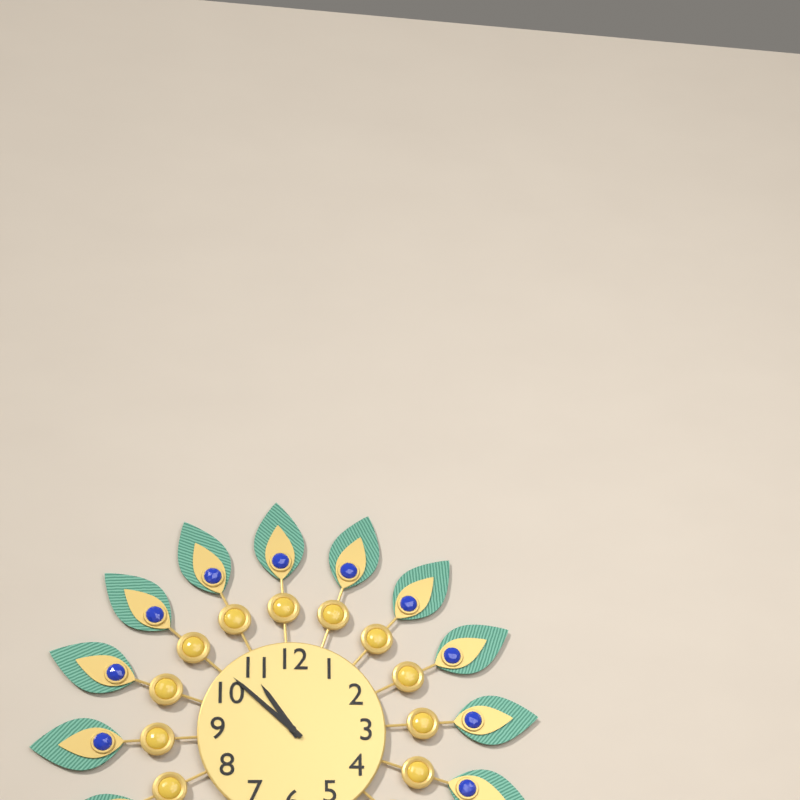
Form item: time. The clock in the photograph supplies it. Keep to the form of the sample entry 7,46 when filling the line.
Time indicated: 10,52
